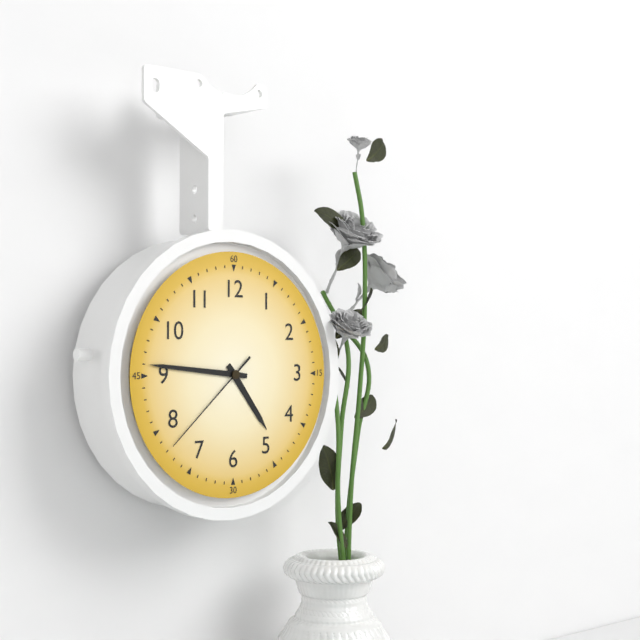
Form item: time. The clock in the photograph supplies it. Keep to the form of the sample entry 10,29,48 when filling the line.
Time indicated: 4,46,38
